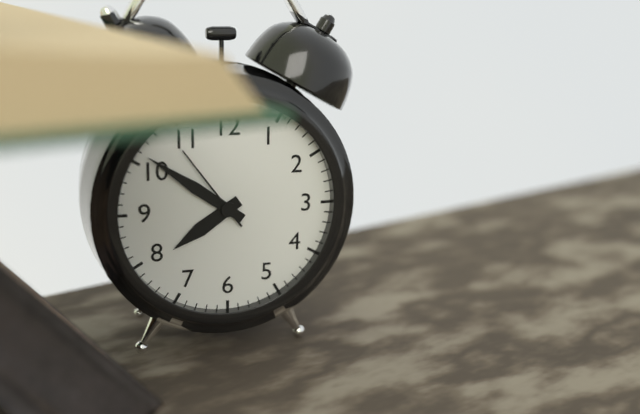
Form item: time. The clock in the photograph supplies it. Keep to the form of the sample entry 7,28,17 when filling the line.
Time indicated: 7,51,54
